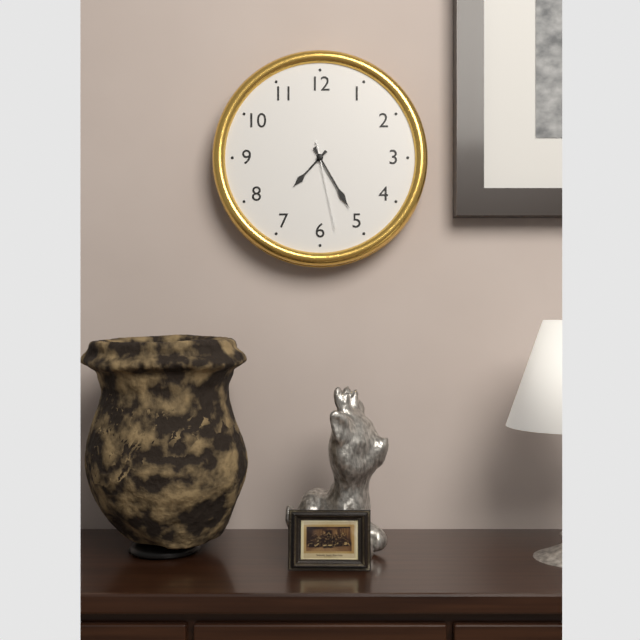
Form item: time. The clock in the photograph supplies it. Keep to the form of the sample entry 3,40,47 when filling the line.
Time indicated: 7,25,28
